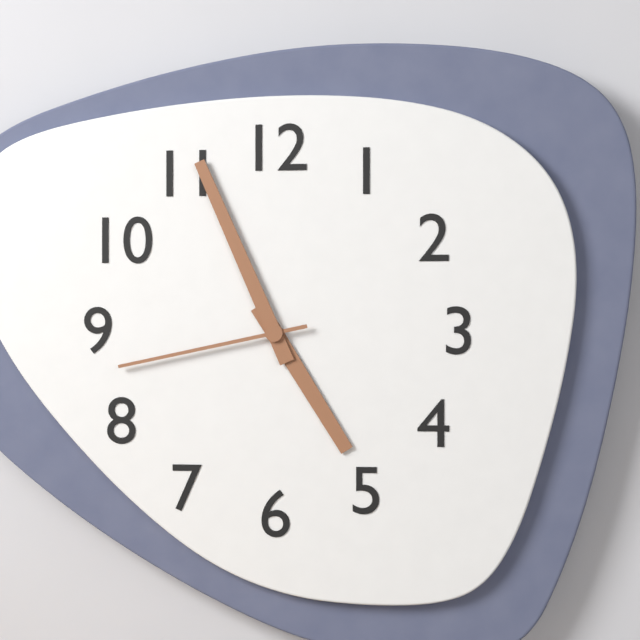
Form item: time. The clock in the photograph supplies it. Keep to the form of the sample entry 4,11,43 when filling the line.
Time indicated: 4,56,43
